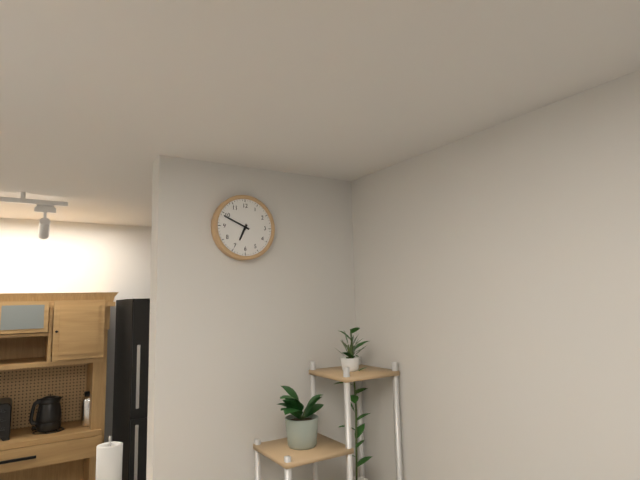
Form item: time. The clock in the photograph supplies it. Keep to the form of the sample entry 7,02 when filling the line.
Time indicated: 6,49
